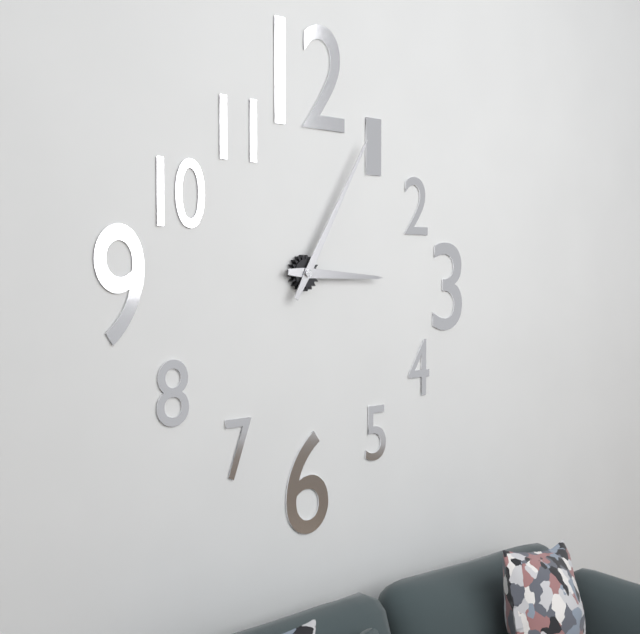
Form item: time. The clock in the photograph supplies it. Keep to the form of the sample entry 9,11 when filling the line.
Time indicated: 3,05
